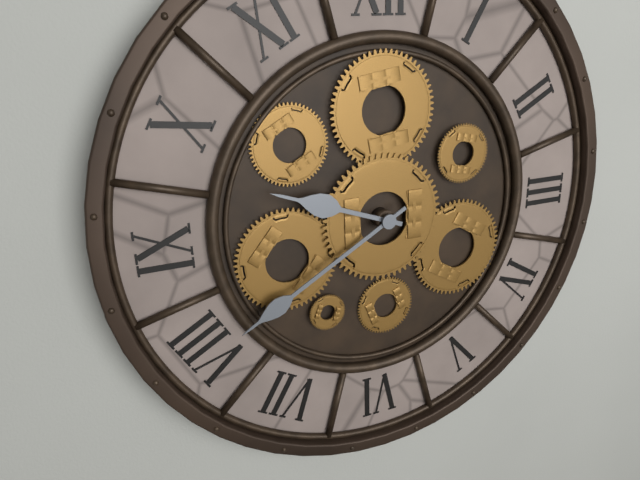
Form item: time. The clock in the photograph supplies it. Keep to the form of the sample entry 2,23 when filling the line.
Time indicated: 9,40
